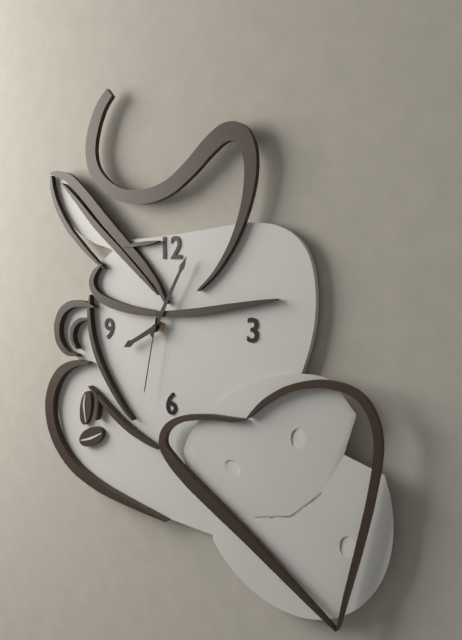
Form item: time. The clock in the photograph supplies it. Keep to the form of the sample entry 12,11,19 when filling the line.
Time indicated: 8,05,32
